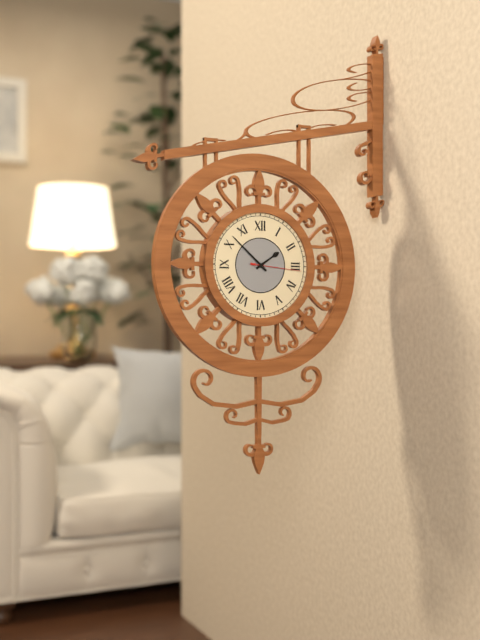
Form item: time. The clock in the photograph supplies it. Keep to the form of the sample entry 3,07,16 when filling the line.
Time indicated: 1,52,16
